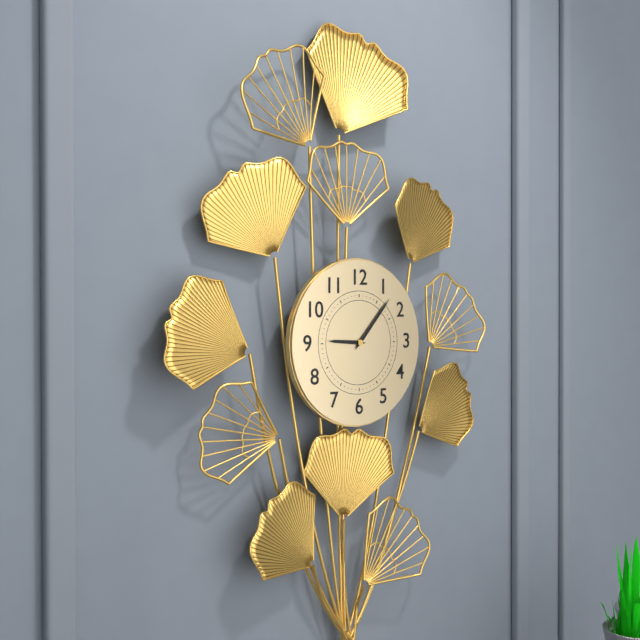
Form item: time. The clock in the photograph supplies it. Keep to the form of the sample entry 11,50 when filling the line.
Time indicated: 9,07
